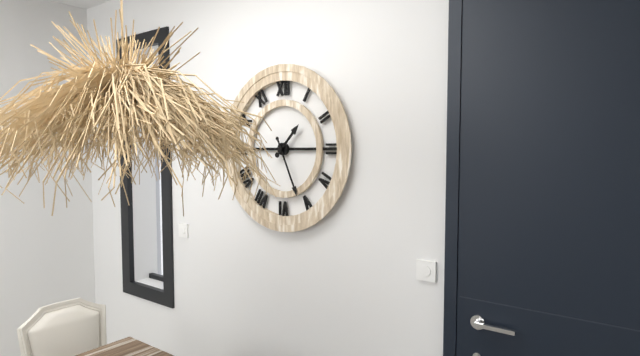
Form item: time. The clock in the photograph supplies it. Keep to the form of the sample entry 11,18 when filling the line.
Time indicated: 1,26
